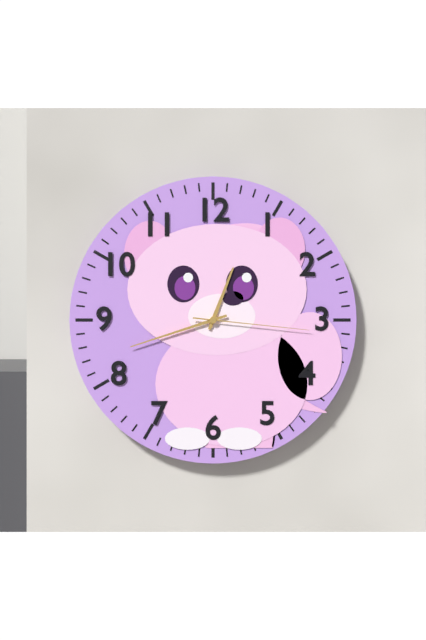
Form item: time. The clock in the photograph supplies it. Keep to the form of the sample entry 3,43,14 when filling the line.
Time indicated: 12,42,16
